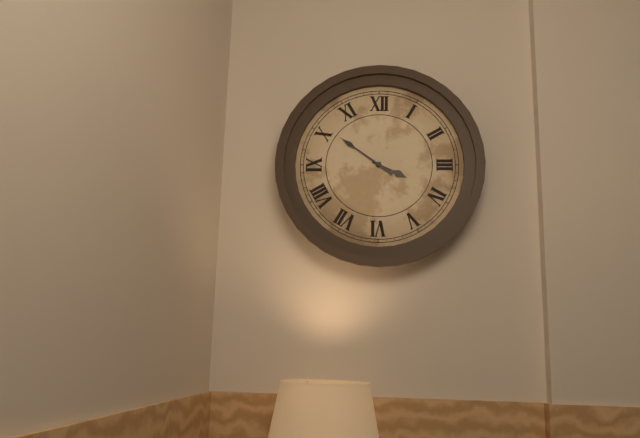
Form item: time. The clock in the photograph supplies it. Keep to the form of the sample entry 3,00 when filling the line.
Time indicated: 3,51
